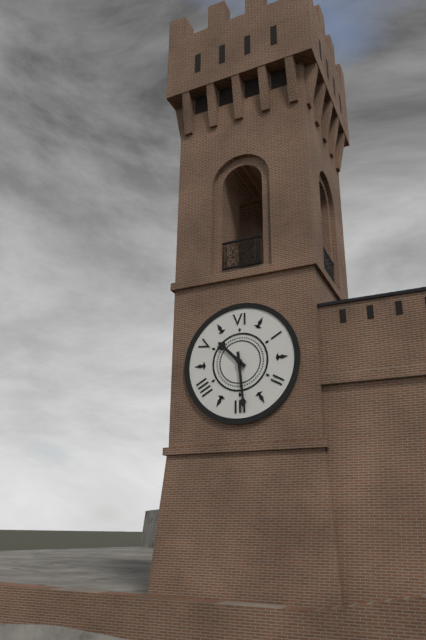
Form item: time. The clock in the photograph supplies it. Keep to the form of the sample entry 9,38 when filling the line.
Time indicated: 10,29
